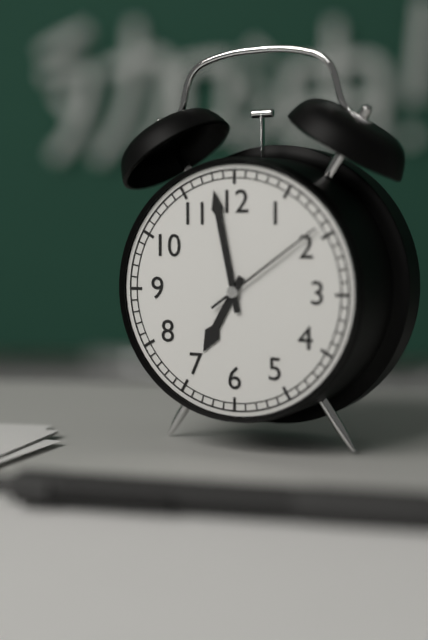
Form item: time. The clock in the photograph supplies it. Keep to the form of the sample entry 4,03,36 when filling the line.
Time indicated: 6,58,09
